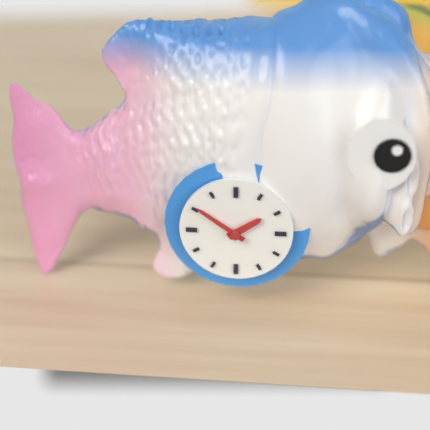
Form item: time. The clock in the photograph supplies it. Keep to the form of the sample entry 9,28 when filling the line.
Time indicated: 1,51
